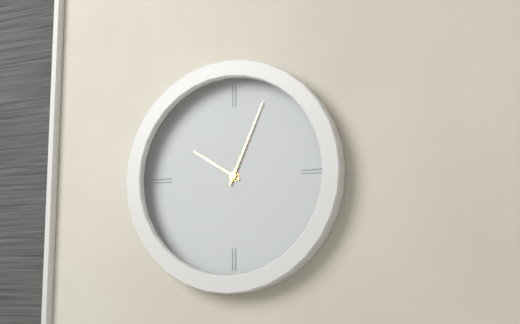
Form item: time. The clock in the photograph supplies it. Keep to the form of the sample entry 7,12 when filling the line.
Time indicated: 10,04
